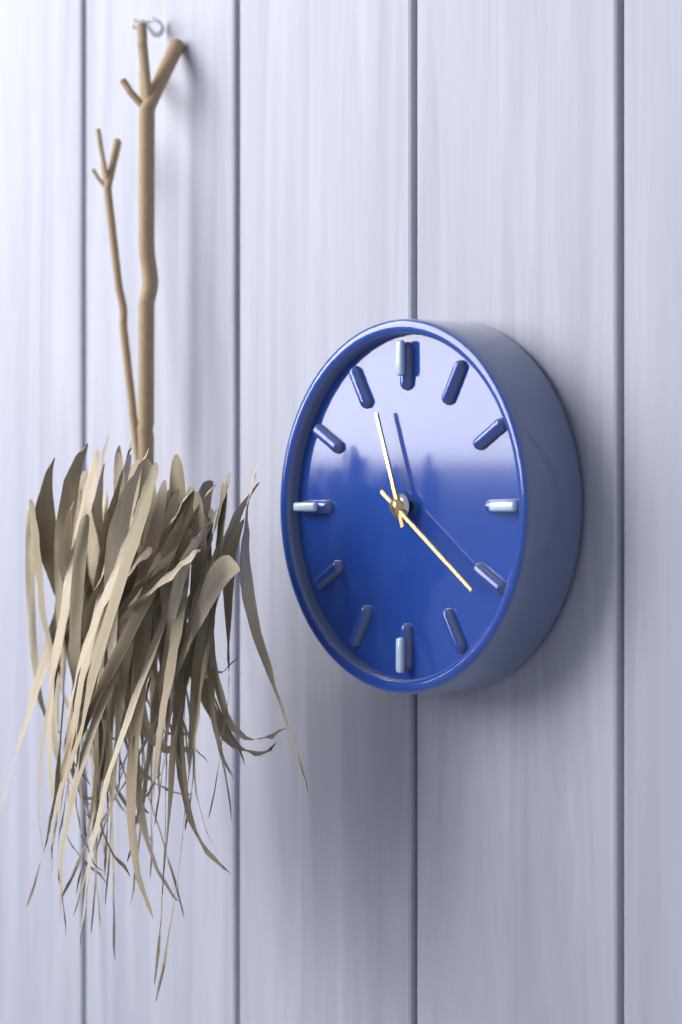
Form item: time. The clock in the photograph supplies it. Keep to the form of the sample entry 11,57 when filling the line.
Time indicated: 11,21
